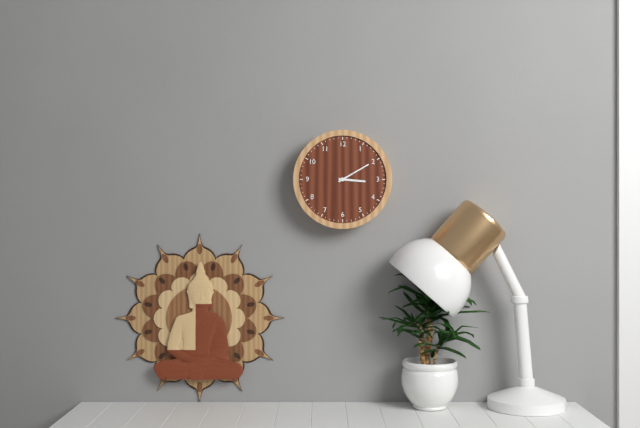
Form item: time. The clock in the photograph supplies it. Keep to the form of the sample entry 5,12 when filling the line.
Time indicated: 3,10
